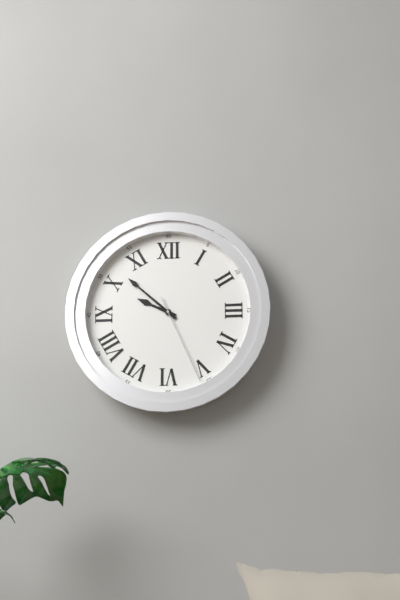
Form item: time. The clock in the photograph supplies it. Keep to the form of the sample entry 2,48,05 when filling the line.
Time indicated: 9,52,26
